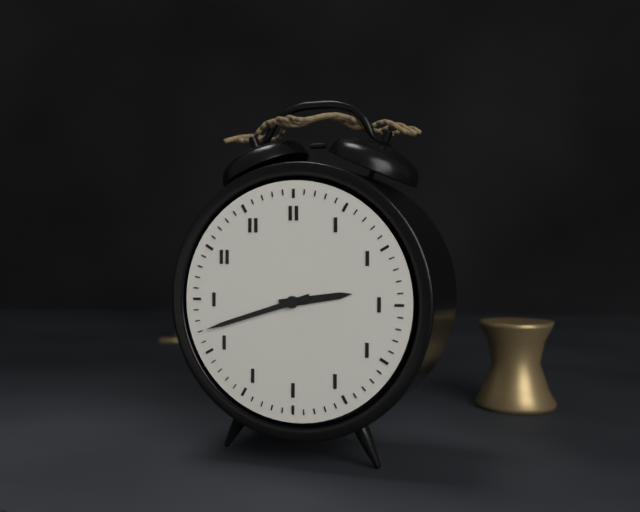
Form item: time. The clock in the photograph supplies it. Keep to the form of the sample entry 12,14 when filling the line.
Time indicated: 2,42
